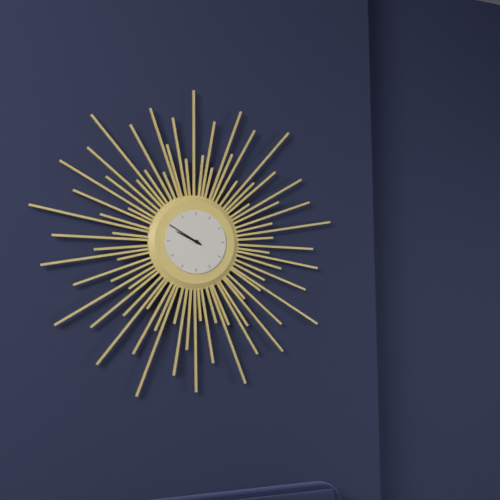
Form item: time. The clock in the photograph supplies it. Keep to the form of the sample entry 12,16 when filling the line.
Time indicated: 9,50
